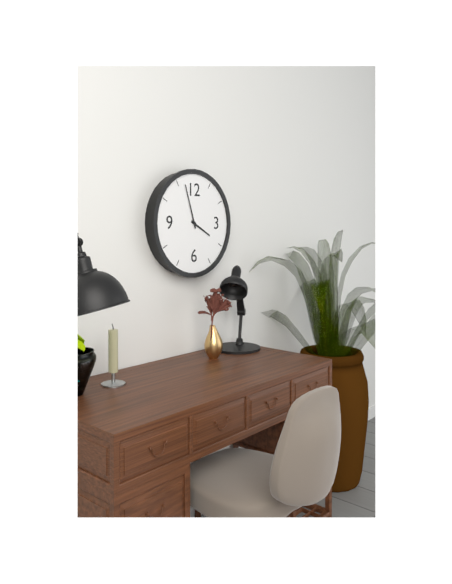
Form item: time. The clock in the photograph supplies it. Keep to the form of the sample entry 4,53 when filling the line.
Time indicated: 3,57
